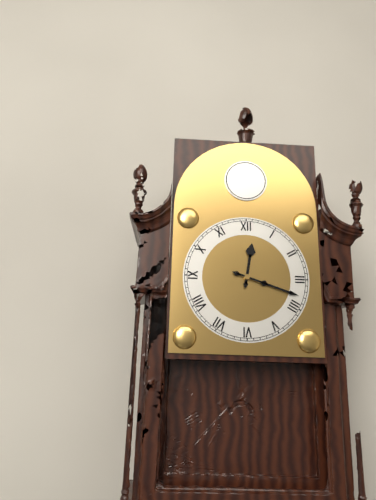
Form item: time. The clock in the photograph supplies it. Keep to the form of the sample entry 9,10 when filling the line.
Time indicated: 12,18
